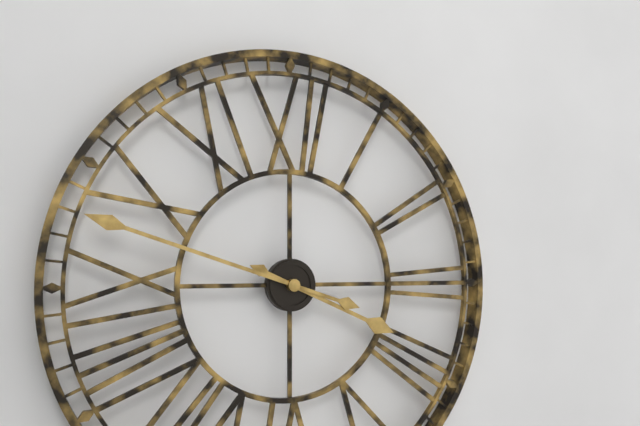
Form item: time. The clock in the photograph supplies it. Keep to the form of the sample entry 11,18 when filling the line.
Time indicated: 3,48
